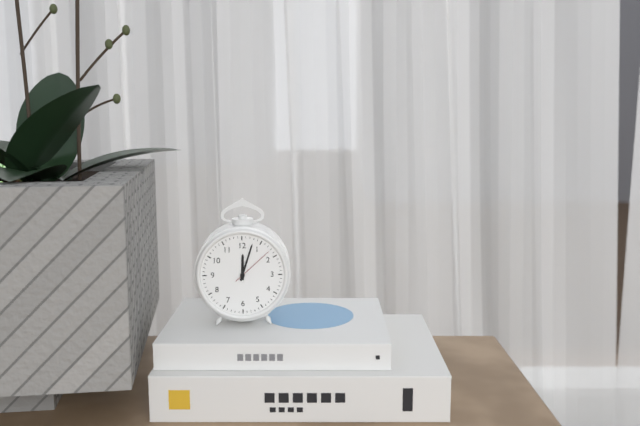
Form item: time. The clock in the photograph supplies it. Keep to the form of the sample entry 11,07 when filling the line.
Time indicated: 12,03
